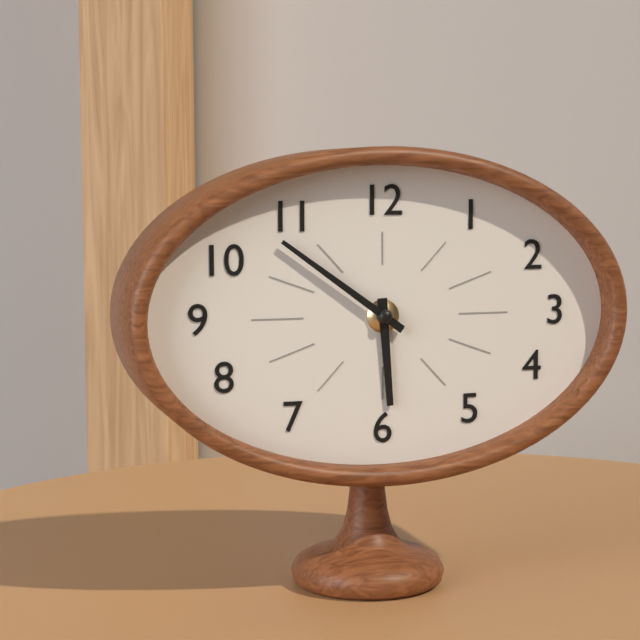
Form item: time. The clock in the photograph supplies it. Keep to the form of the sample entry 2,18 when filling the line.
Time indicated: 5,51
